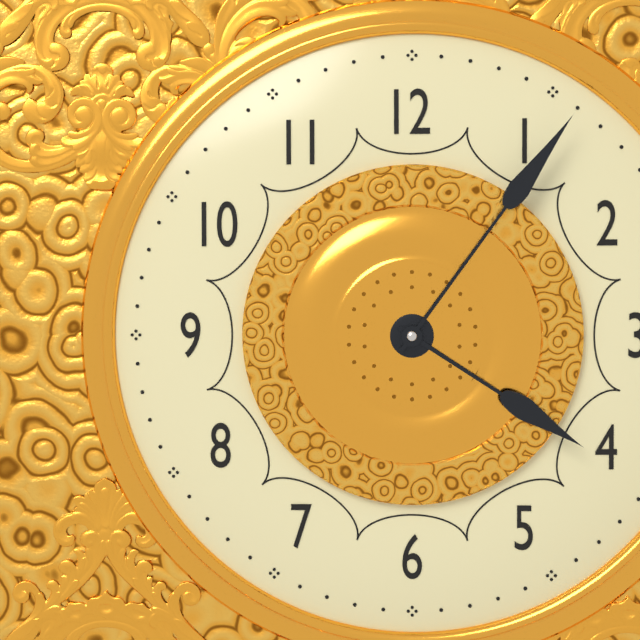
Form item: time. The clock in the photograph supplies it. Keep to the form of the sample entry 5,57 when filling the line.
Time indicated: 4,06
